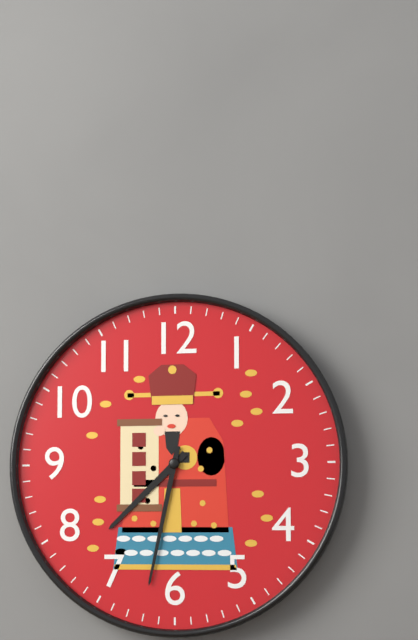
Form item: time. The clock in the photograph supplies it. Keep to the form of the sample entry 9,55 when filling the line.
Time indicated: 7,32
